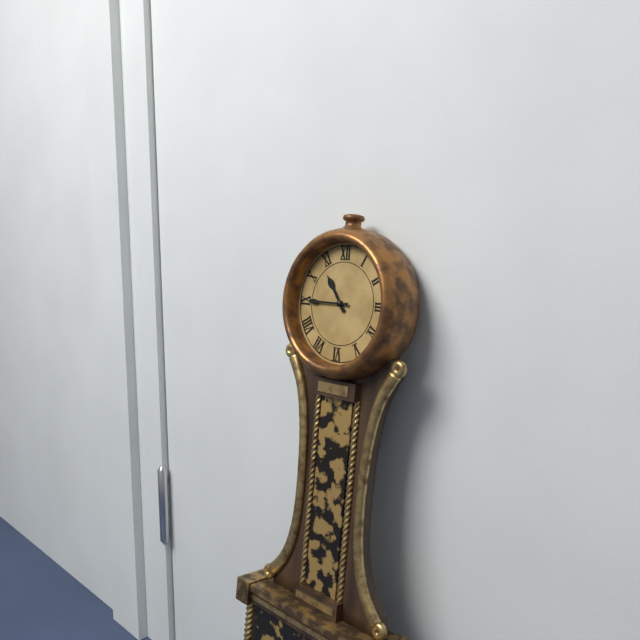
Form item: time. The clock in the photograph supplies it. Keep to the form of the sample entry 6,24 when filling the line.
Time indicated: 10,45
